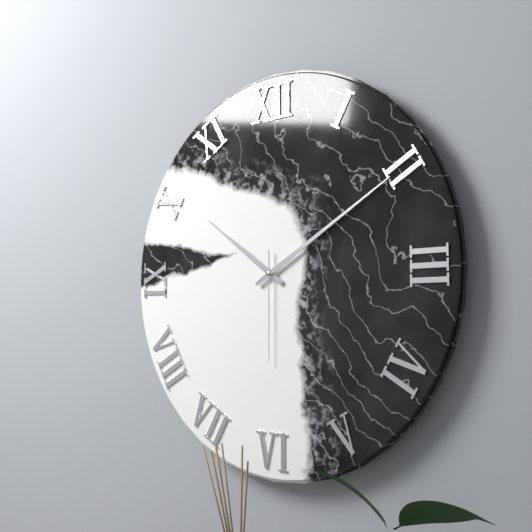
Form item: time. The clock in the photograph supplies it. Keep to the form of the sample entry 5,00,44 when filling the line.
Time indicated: 10,10,30
